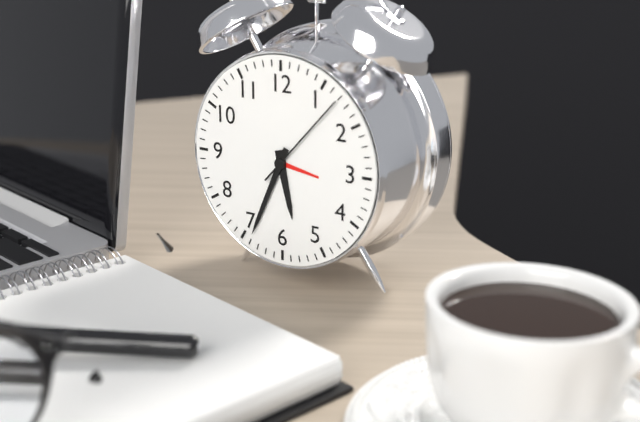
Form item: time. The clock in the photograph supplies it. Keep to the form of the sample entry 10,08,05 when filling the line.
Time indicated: 5,34,07
